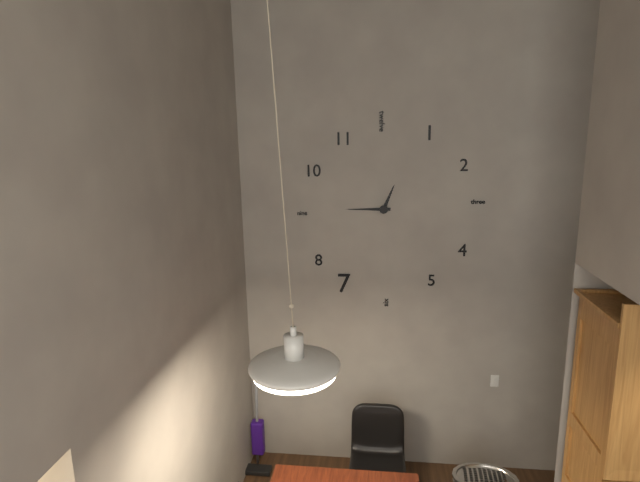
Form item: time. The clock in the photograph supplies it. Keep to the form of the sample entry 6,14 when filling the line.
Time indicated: 12,45
